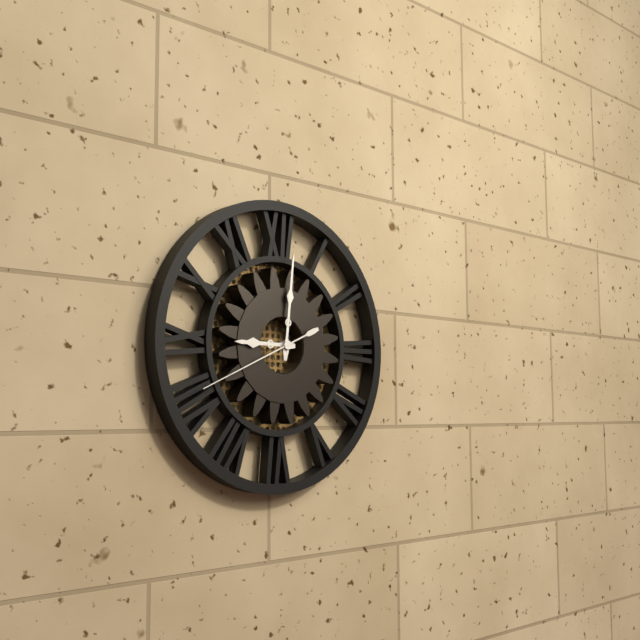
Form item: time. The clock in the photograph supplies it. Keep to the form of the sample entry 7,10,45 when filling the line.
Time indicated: 9,01,41
